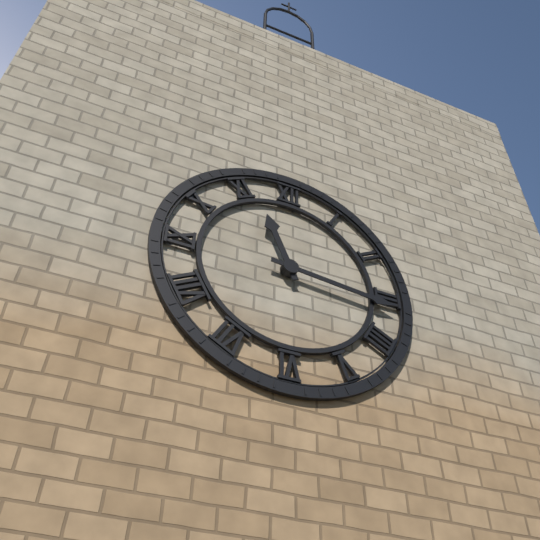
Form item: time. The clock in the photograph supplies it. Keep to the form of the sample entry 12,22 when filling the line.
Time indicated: 11,16
